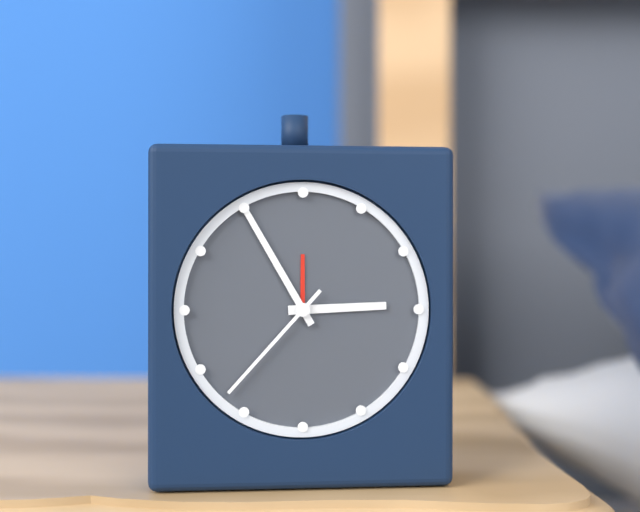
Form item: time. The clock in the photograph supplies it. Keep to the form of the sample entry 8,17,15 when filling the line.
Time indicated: 2,55,37
